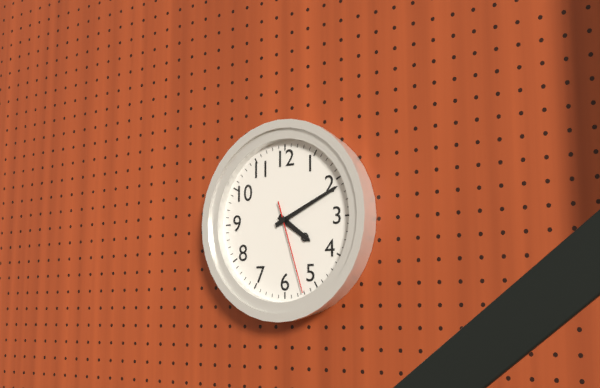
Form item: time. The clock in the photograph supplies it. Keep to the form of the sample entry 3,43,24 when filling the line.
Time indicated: 4,11,27
